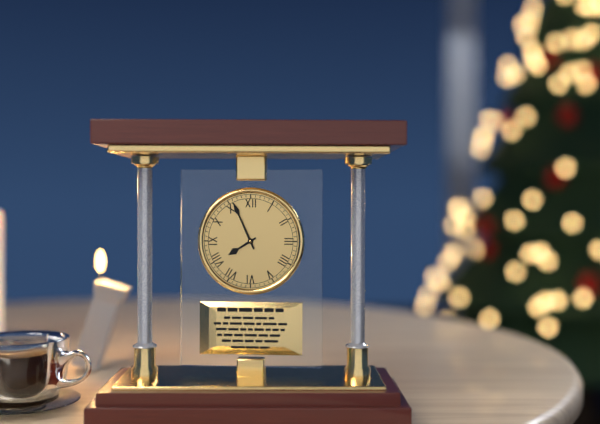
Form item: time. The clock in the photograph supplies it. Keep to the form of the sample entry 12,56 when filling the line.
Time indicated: 7,56
